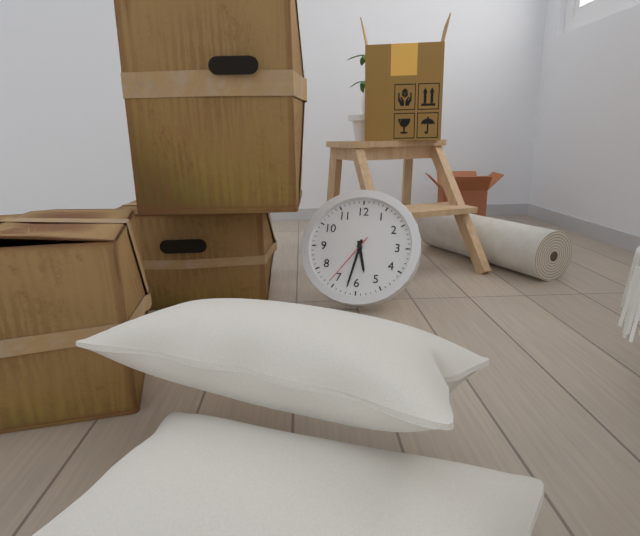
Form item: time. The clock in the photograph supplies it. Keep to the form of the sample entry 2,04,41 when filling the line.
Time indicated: 5,32,36
